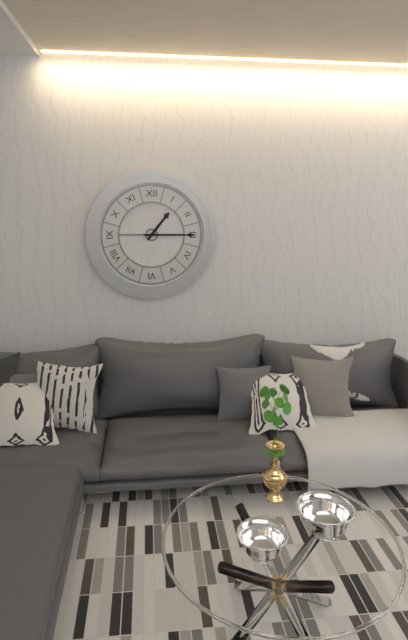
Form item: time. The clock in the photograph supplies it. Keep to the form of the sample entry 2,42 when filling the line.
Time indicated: 1,15
